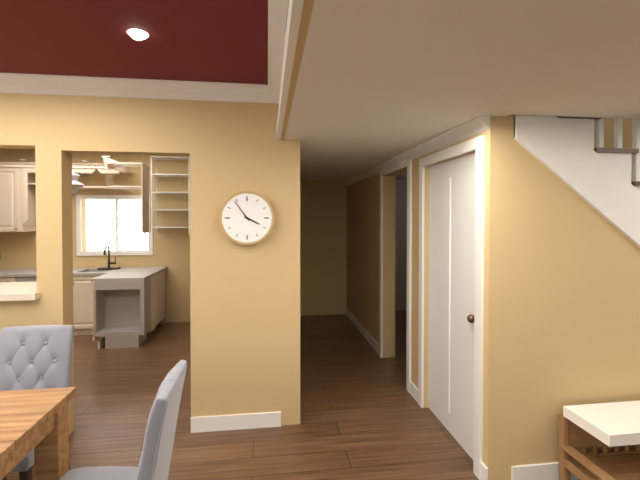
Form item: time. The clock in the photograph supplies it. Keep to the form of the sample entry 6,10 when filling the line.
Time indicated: 3,54
